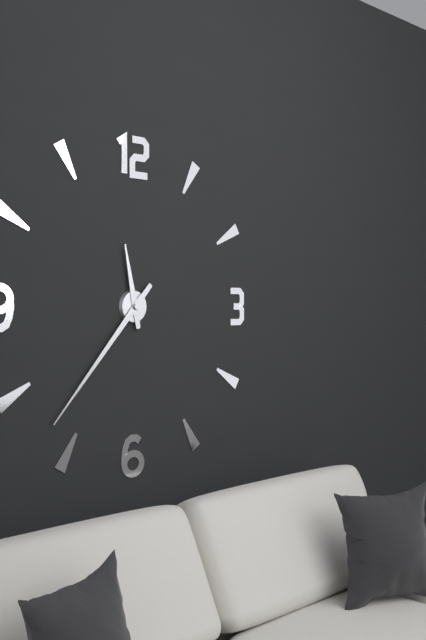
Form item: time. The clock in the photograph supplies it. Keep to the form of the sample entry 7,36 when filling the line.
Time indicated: 11,37
